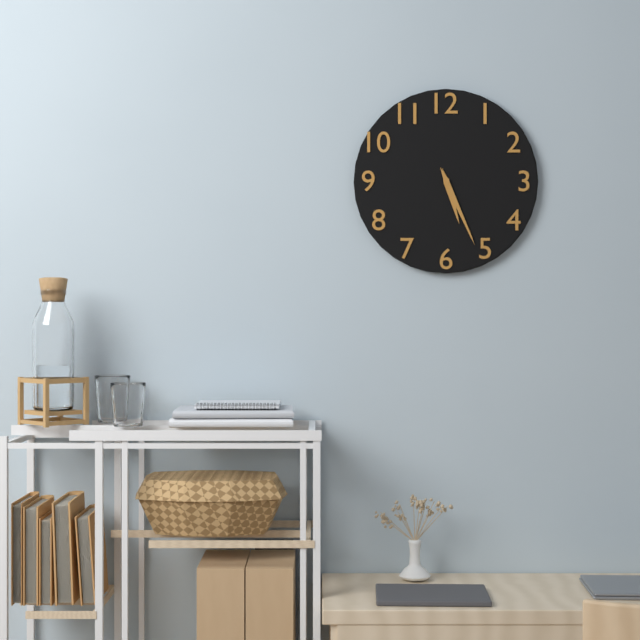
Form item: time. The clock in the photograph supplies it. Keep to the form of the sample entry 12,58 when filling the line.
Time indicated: 5,26
